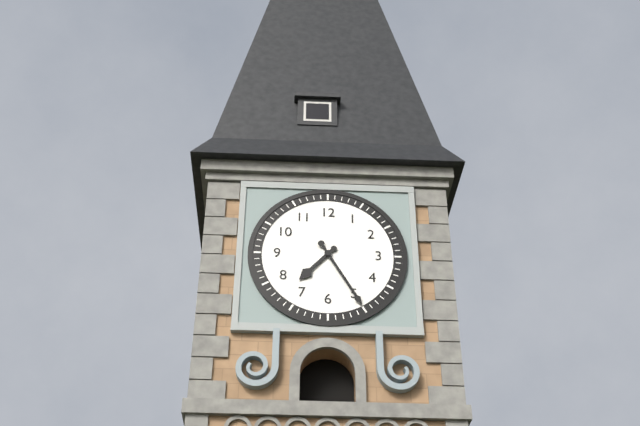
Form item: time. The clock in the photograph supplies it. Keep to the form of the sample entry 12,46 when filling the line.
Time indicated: 7,25
